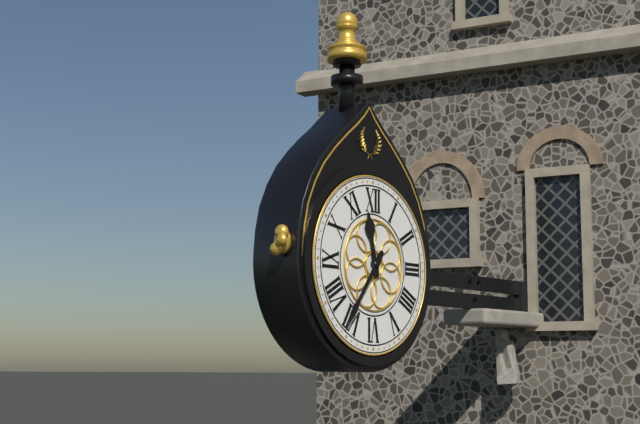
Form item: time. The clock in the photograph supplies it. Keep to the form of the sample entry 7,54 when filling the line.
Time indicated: 11,36
